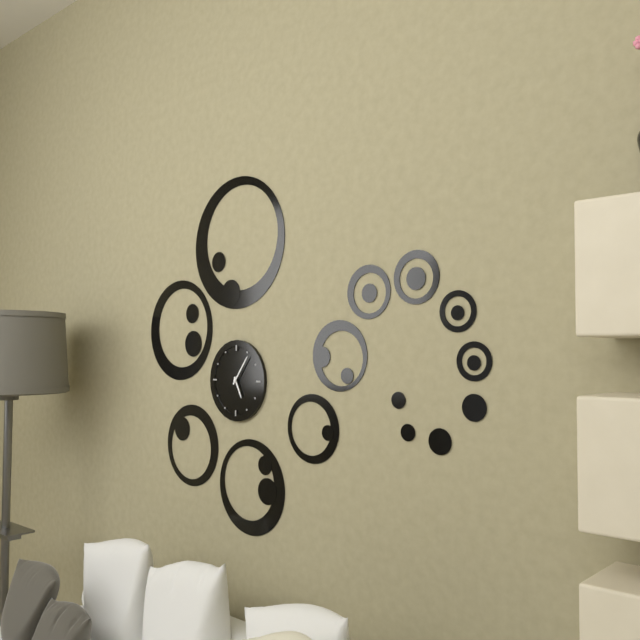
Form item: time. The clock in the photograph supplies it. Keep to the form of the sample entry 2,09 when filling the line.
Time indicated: 5,06
